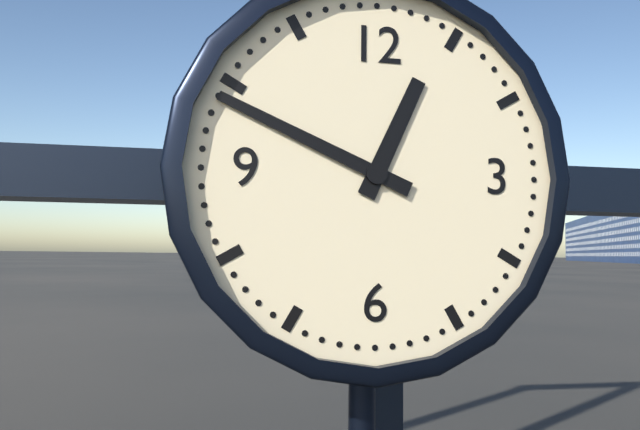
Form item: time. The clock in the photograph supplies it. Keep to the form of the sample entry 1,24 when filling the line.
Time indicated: 12,49
